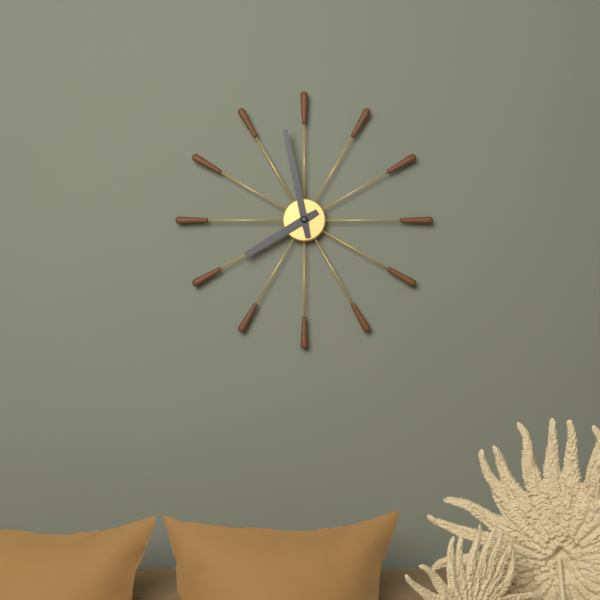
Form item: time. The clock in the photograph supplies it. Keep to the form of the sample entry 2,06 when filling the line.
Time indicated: 7,58
